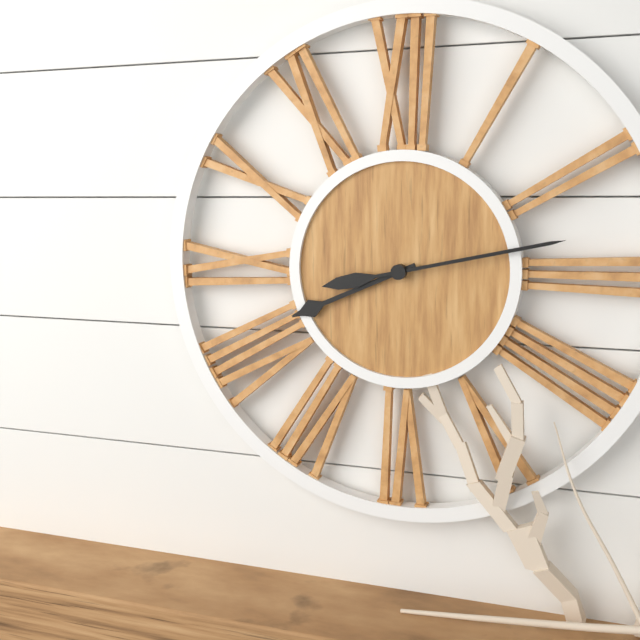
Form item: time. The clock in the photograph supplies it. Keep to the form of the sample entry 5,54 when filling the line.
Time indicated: 8,13
